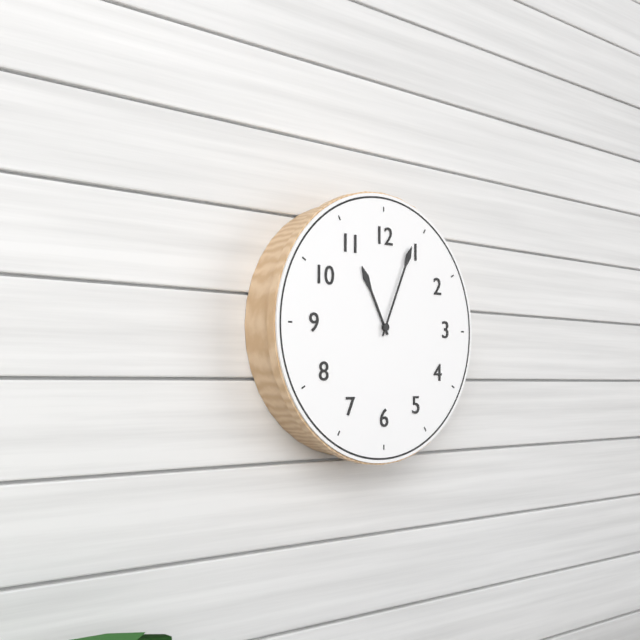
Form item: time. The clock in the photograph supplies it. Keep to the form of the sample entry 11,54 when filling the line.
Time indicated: 11,04
